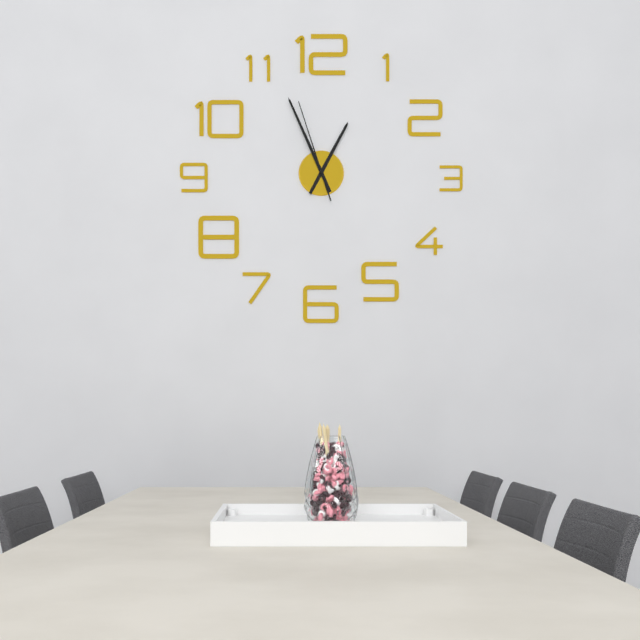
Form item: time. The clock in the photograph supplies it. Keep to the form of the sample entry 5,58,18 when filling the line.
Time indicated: 12,56,57
